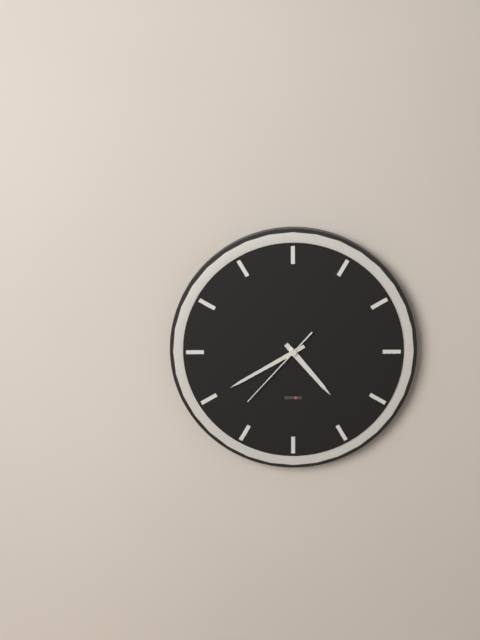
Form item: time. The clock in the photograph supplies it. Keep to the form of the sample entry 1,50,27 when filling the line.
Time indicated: 4,40,37
